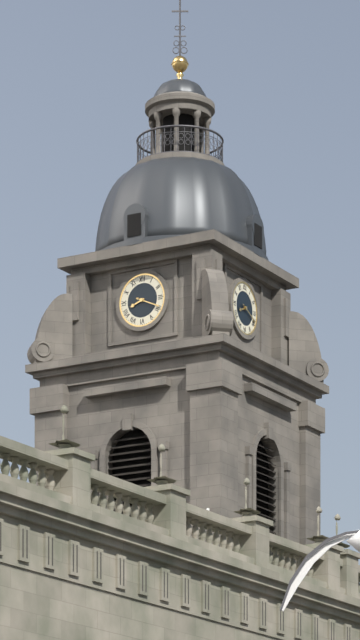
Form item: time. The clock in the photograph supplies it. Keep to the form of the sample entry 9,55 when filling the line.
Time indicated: 8,19
